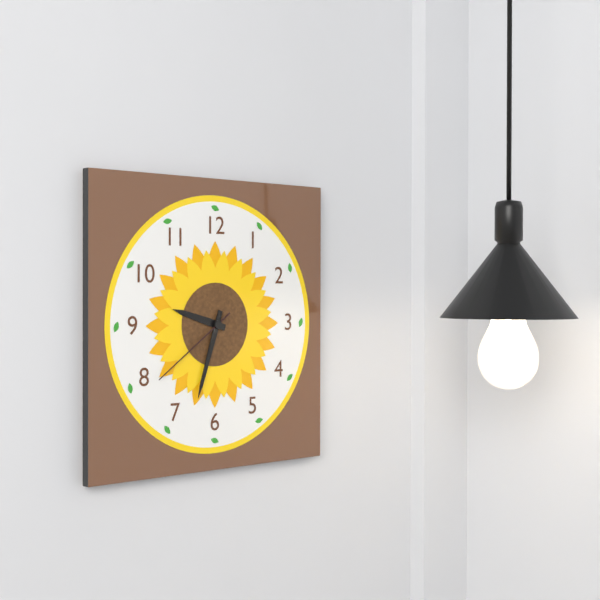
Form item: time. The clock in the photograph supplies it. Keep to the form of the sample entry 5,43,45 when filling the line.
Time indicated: 9,33,39
